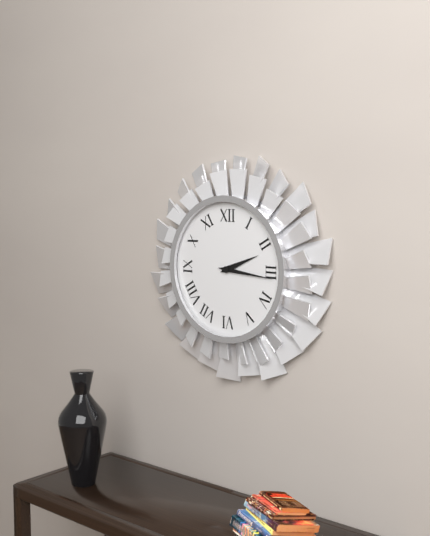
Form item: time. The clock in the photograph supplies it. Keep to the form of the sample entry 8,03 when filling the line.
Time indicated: 2,16
